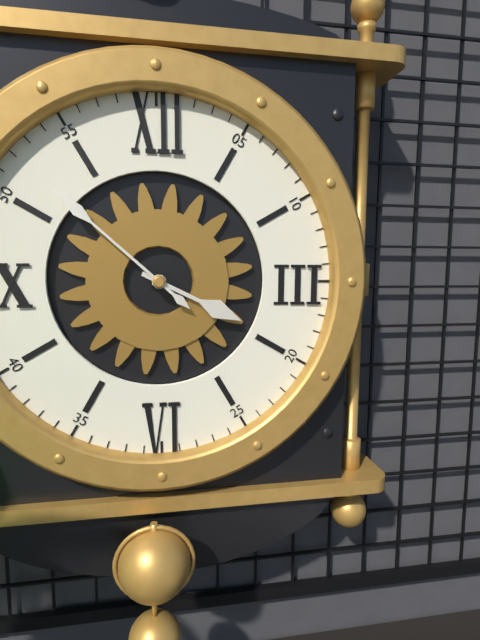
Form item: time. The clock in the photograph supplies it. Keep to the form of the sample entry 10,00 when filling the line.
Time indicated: 3,52
